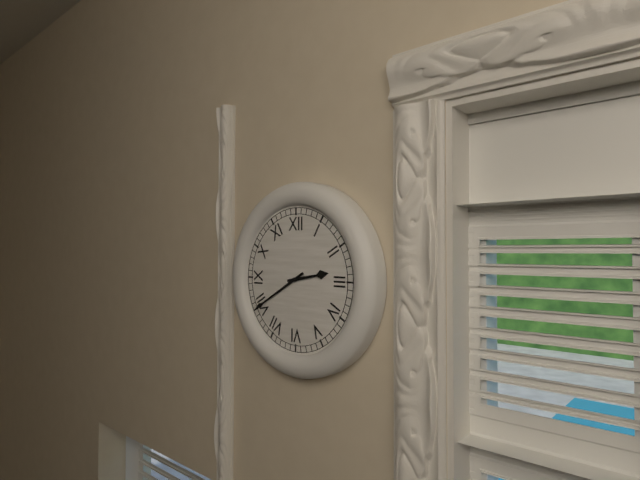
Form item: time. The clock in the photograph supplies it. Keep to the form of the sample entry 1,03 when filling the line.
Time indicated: 2,40
